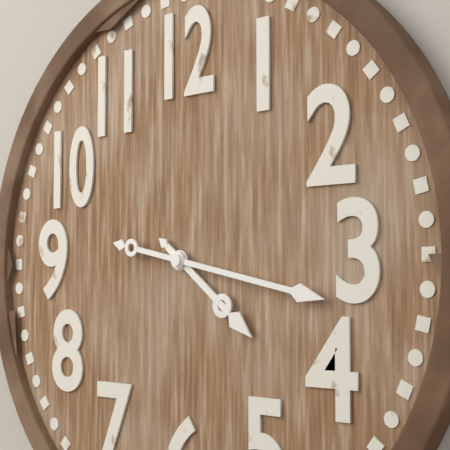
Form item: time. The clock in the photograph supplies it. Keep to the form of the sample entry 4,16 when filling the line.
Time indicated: 4,17
